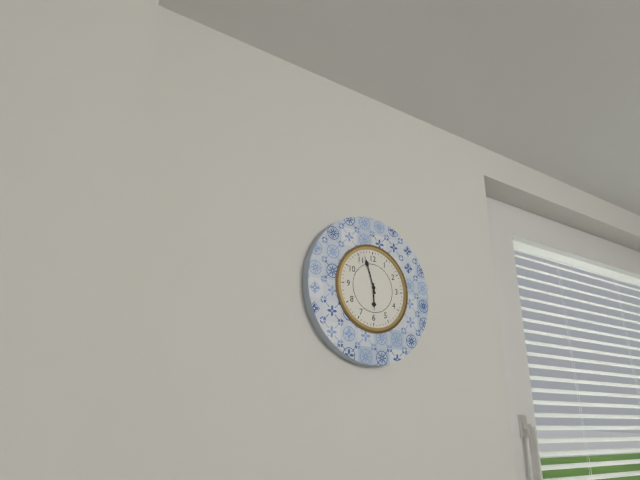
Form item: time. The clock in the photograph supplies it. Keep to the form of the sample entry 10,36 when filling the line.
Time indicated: 5,57
